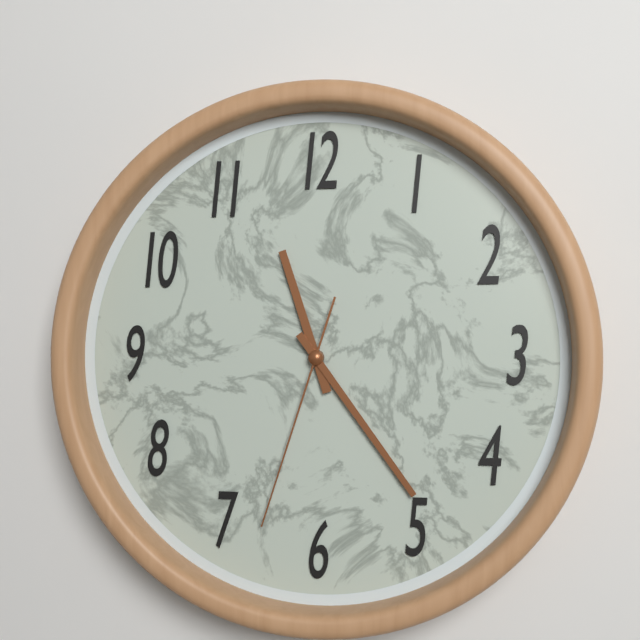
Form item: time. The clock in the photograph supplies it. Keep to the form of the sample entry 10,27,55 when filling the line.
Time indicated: 11,24,33
